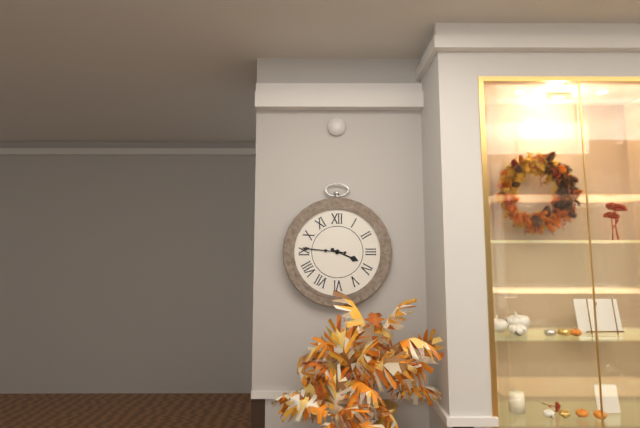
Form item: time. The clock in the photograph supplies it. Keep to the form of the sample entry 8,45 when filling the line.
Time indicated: 3,46
